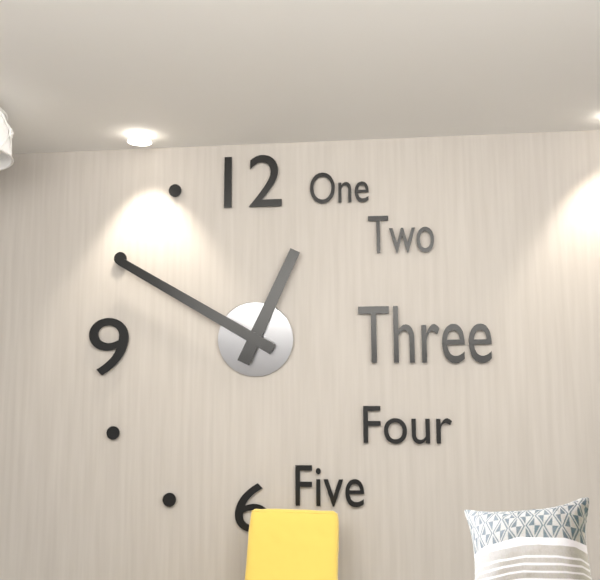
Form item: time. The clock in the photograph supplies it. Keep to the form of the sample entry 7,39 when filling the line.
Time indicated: 12,50
